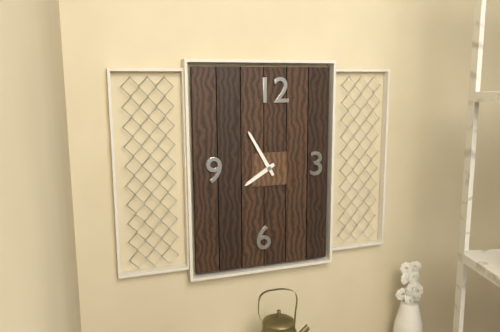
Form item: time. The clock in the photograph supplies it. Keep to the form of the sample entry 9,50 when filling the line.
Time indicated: 7,55
